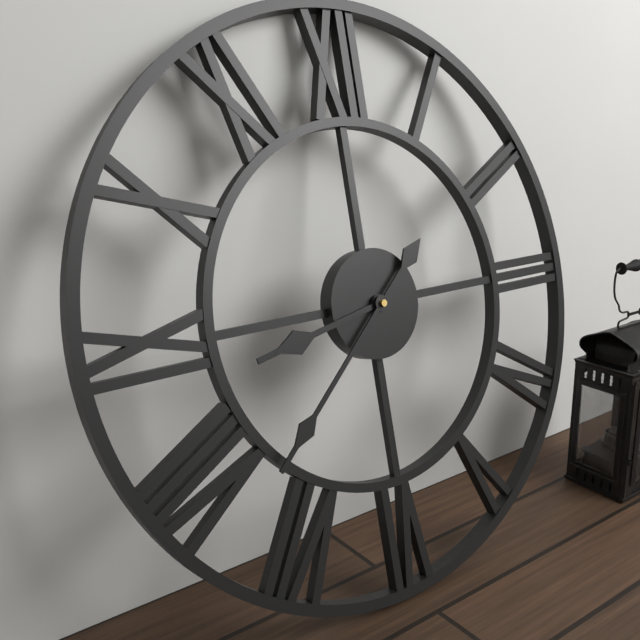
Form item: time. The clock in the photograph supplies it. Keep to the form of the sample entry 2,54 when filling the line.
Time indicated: 8,38
